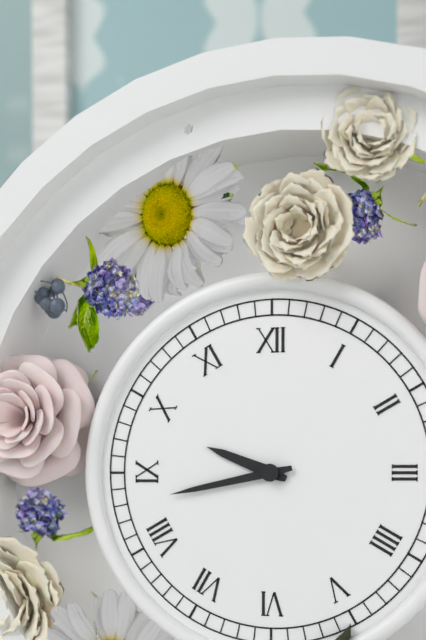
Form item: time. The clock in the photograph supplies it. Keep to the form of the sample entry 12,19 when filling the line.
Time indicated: 9,43
